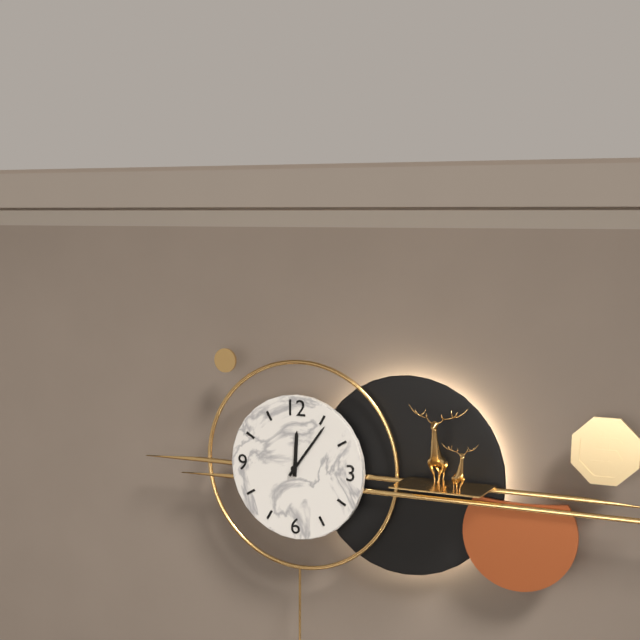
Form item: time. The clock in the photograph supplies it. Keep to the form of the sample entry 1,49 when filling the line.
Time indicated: 12,06
